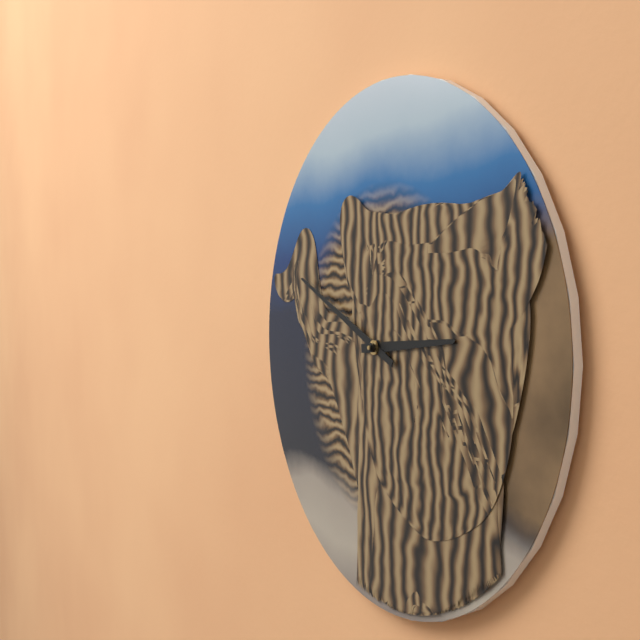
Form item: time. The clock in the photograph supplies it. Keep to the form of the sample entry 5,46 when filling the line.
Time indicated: 2,49
